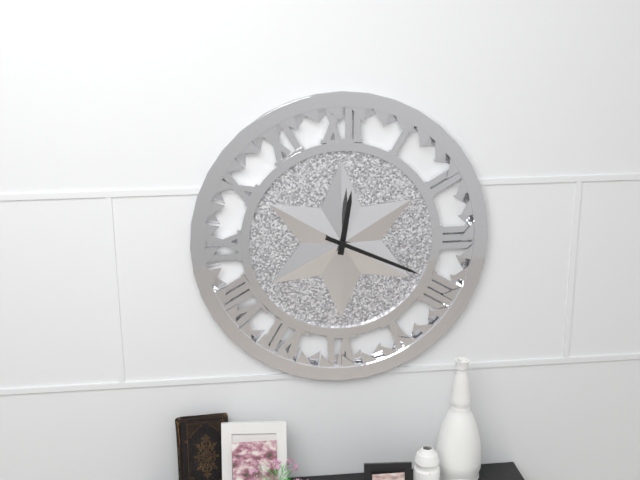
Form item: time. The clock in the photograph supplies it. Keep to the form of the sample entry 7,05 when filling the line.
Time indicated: 12,19
